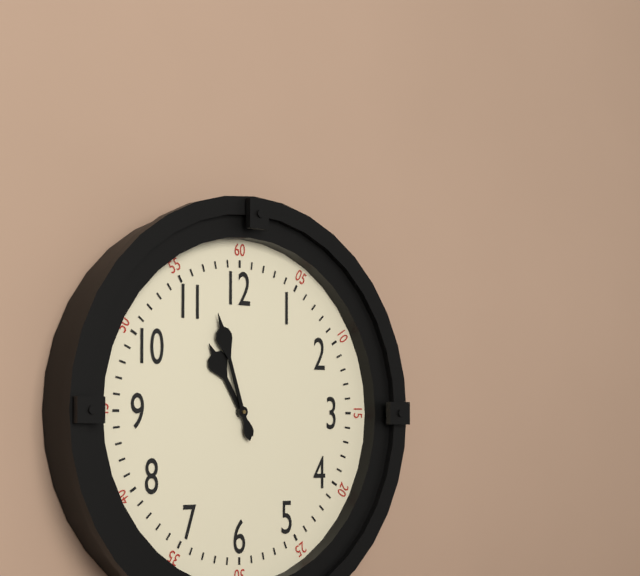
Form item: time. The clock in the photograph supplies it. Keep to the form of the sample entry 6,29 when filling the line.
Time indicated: 10,57
